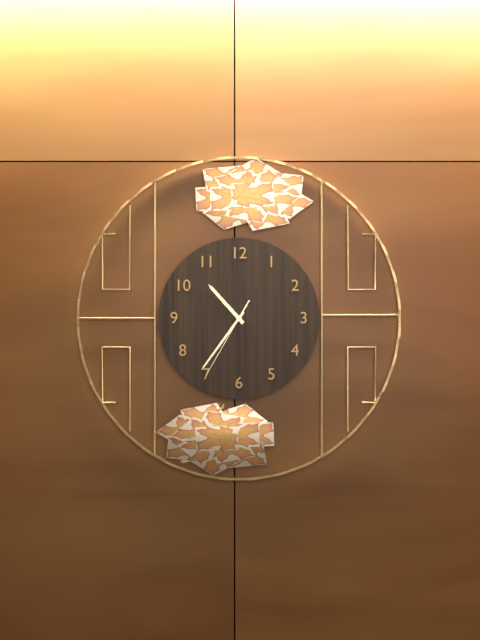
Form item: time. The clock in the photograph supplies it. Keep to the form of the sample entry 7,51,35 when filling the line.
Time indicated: 10,36,35
